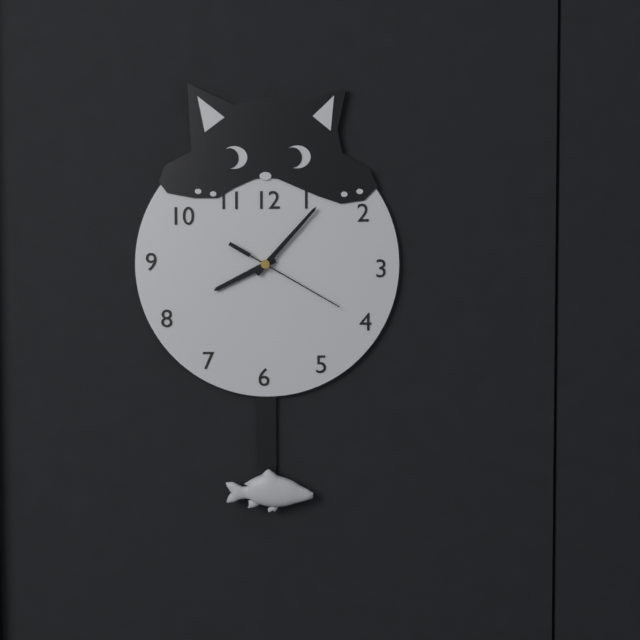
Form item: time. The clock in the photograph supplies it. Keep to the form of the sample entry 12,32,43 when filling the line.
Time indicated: 8,07,20
